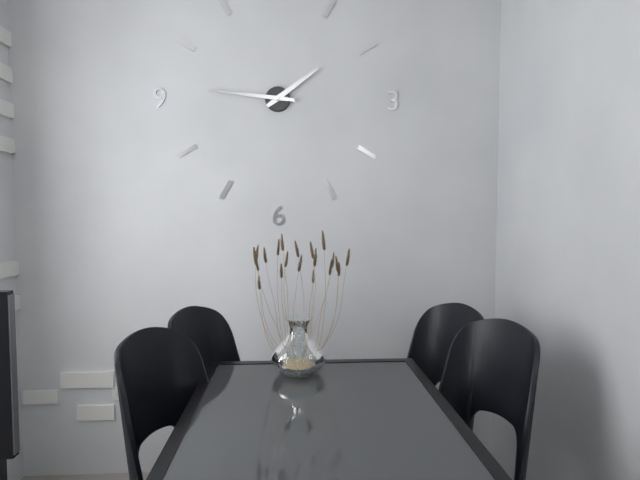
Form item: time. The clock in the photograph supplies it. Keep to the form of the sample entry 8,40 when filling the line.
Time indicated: 1,46
